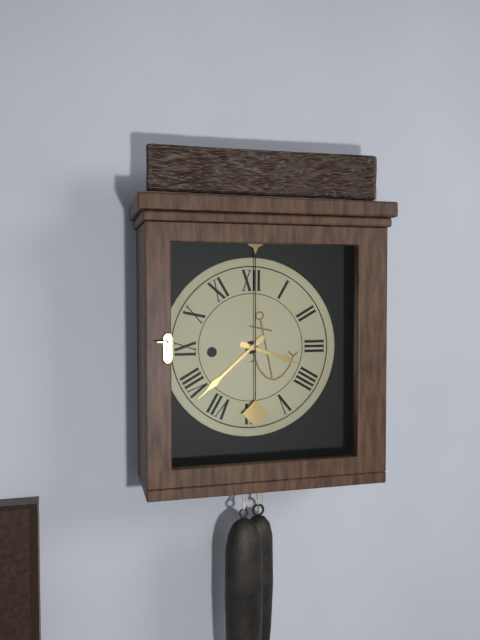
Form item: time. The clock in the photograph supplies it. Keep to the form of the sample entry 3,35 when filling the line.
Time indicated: 3,38
